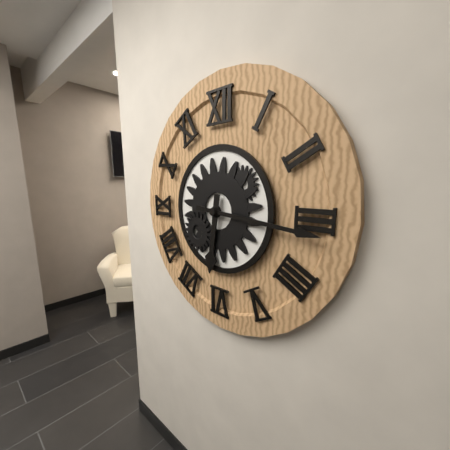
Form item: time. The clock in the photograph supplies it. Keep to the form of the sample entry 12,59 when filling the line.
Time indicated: 6,16
